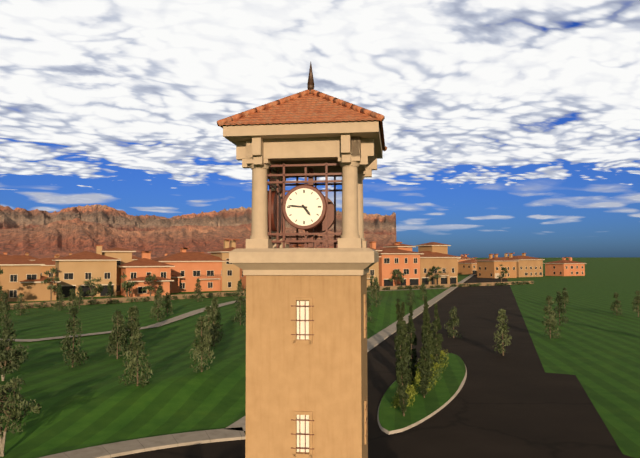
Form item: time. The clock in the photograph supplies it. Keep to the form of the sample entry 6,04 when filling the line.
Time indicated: 4,46
